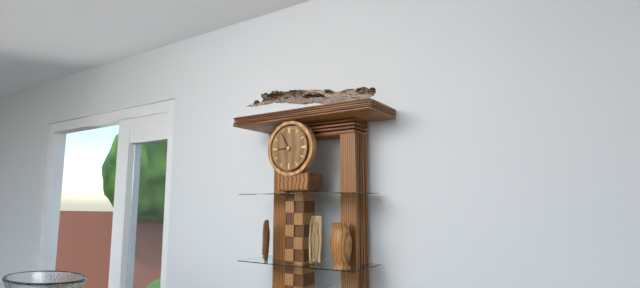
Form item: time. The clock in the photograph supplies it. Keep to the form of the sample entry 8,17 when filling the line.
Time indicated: 8,55
